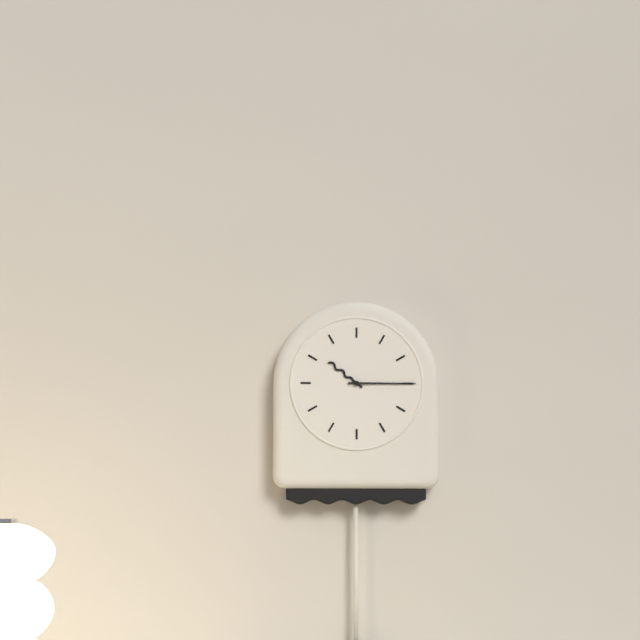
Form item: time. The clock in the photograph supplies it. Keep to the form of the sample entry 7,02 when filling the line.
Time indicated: 10,15
